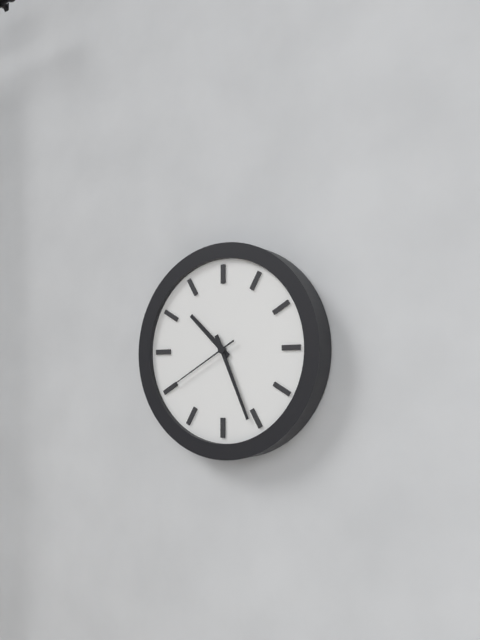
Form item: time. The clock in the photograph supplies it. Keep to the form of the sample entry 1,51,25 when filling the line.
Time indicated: 10,26,40
